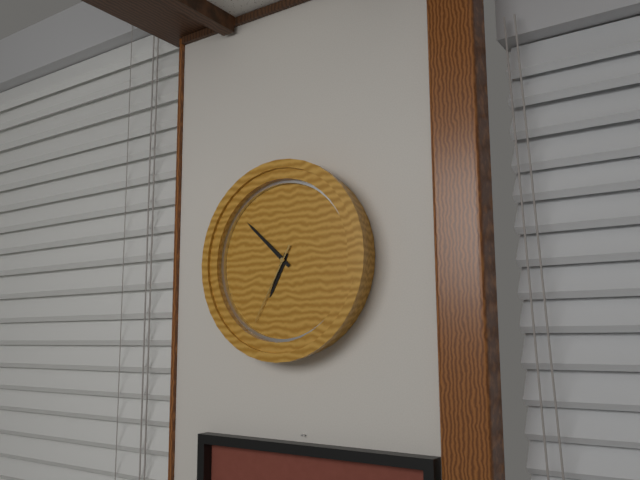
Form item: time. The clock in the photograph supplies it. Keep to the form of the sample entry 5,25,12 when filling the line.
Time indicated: 6,52,35
